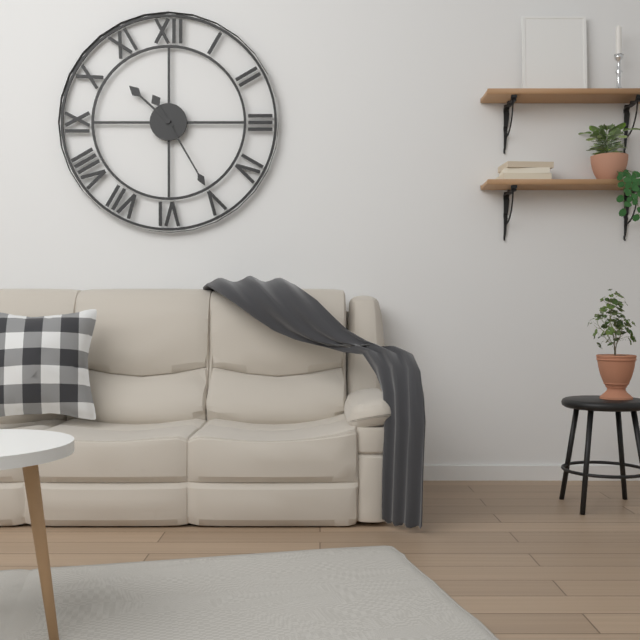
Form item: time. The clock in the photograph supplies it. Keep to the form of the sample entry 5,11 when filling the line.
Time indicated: 10,25
